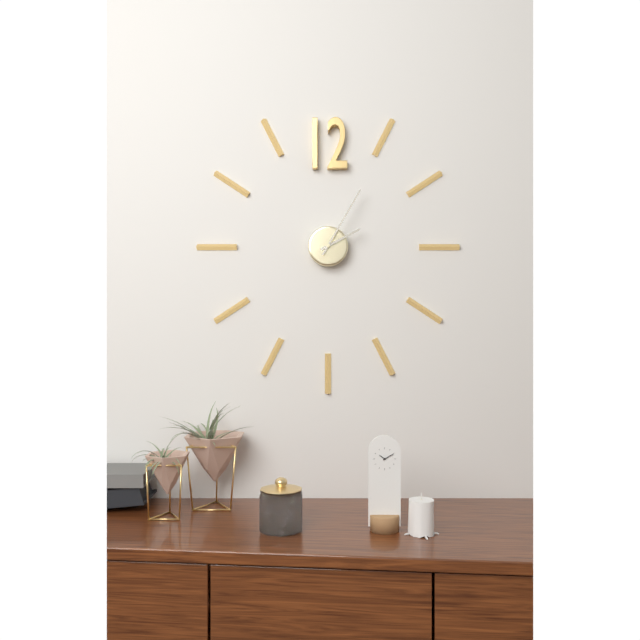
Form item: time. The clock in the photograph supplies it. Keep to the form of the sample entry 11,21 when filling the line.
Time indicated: 2,05
